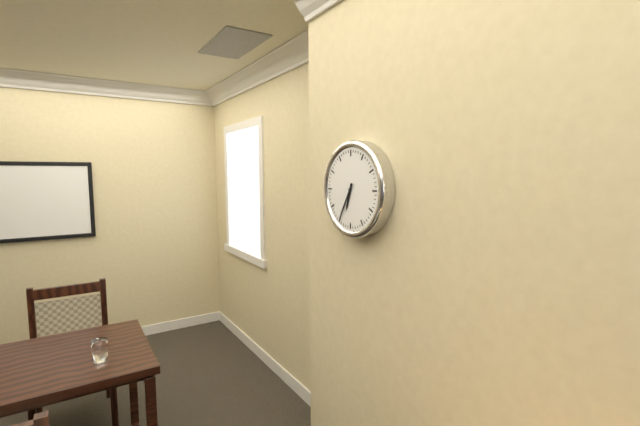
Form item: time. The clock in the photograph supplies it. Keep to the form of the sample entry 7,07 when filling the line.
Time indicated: 6,35
